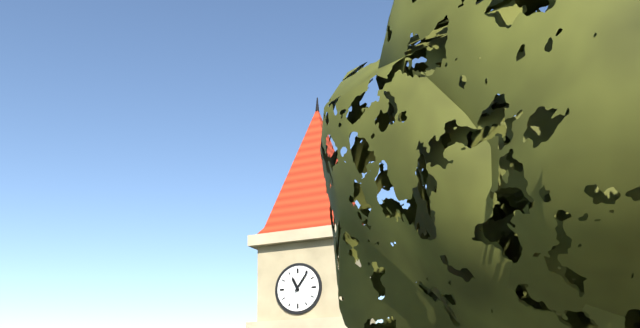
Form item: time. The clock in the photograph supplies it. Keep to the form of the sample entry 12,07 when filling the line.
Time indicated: 11,06
